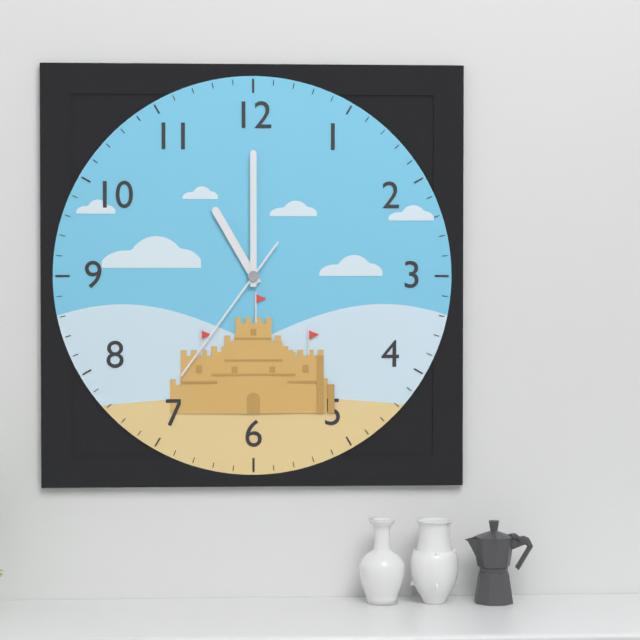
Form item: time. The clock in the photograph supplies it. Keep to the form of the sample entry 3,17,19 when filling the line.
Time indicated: 11,00,36
